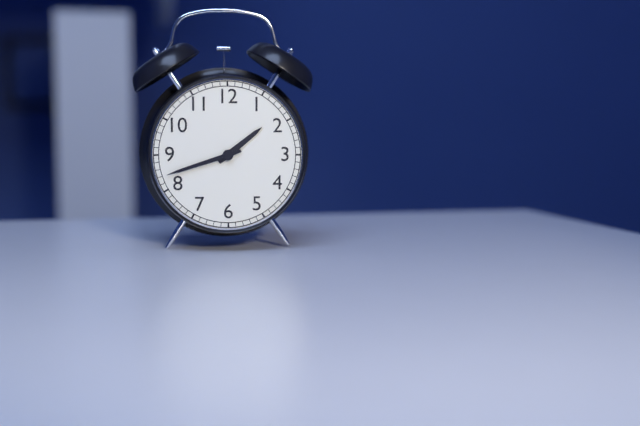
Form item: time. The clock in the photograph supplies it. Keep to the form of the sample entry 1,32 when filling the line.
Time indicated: 1,42
